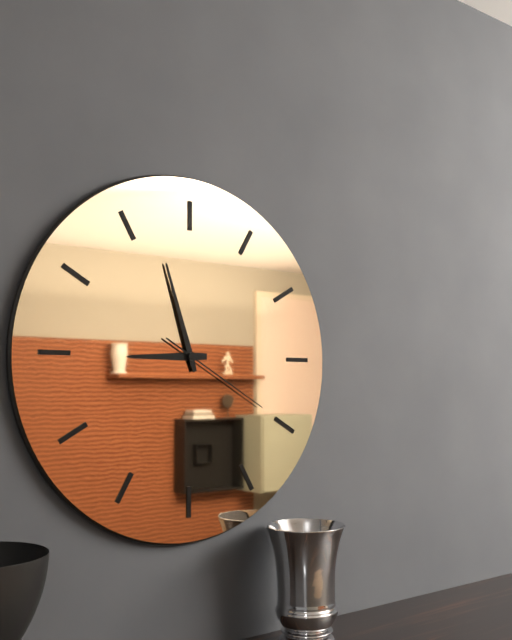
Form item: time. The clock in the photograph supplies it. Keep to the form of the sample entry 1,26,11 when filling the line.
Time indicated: 8,57,20
